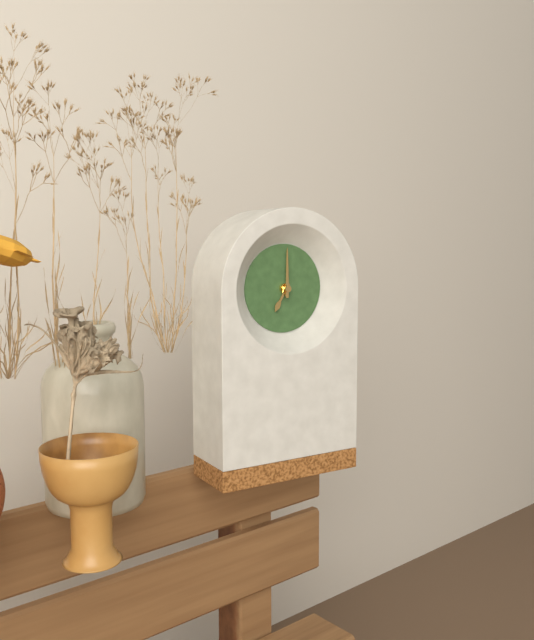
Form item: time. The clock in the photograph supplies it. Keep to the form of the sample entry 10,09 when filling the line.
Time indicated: 7,00
